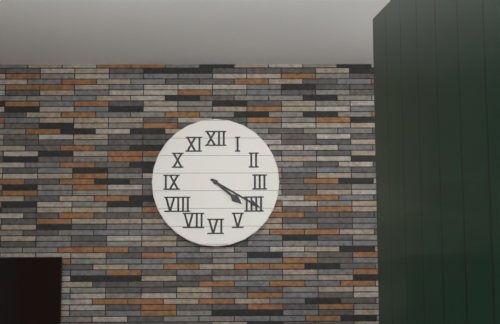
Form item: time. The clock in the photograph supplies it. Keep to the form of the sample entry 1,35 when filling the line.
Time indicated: 4,20
